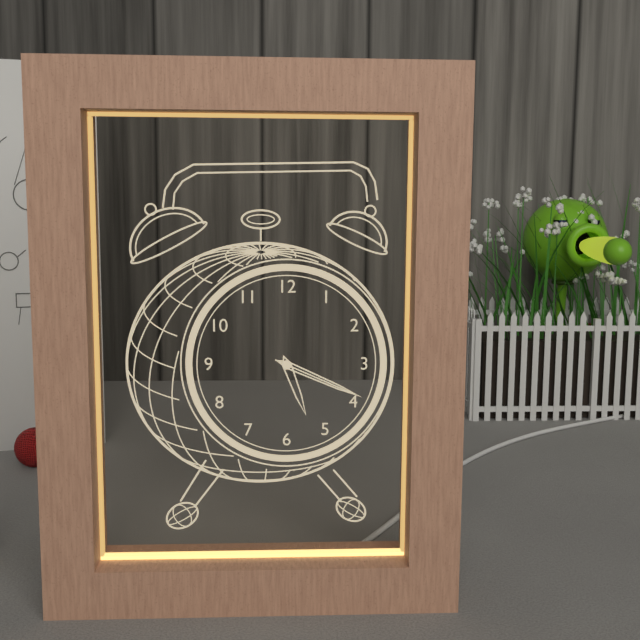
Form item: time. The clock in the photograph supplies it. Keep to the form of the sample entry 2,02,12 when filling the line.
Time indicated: 5,19,19
